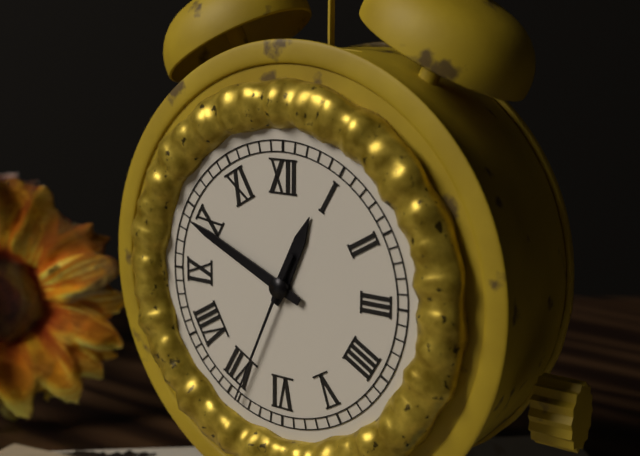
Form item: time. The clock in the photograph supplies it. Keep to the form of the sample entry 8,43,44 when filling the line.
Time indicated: 12,49,34
